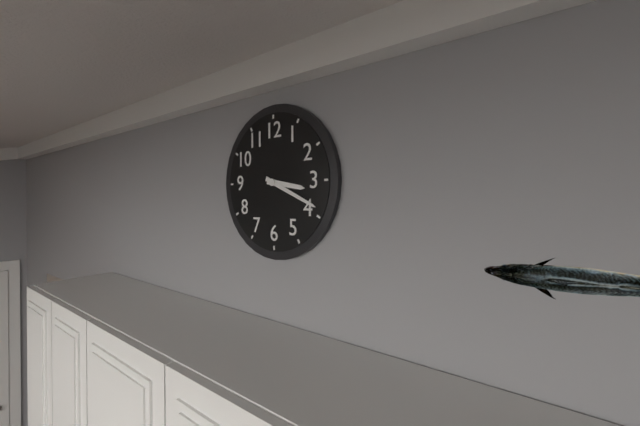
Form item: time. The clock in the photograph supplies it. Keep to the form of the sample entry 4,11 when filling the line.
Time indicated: 3,19
